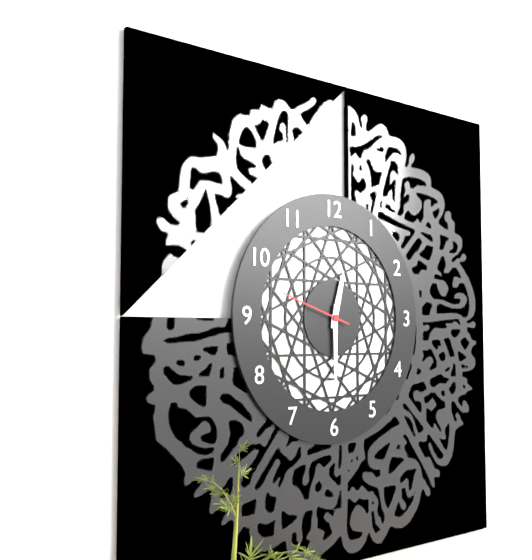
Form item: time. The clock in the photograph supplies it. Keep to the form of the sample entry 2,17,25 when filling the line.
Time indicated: 12,30,48
